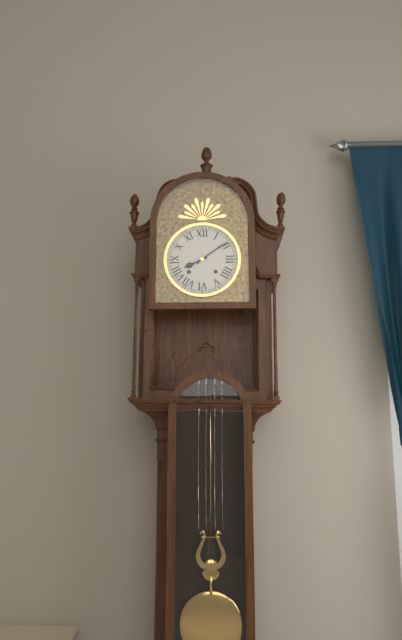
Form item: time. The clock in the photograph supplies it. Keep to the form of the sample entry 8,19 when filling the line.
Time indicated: 8,09
